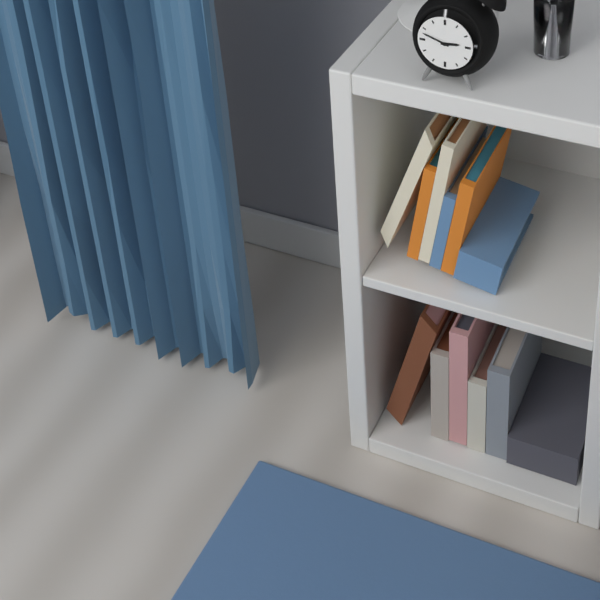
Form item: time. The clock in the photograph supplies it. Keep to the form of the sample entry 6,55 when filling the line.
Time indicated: 2,48
